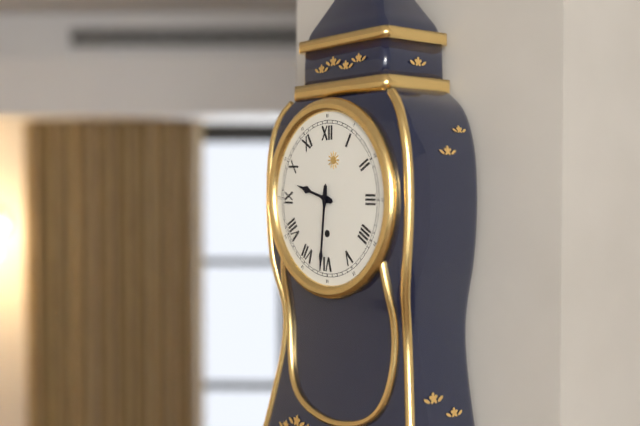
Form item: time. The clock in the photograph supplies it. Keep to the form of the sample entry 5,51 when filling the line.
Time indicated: 9,31
